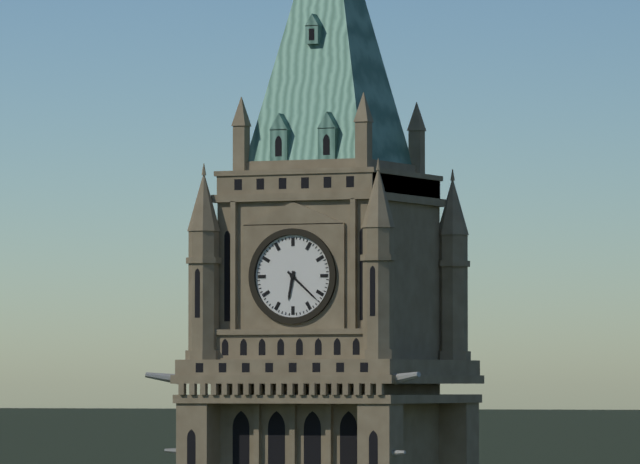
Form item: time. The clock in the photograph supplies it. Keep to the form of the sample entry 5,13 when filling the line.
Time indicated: 6,22
